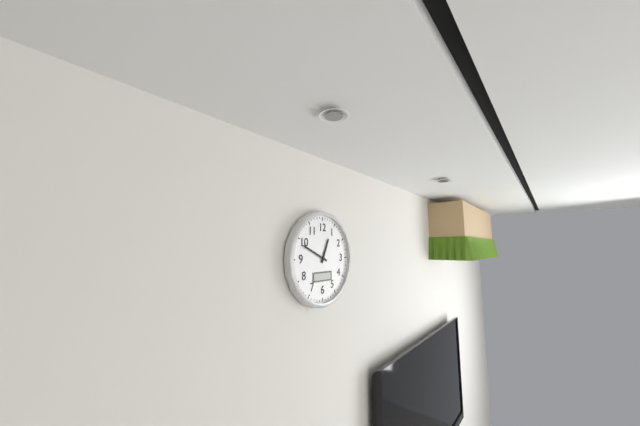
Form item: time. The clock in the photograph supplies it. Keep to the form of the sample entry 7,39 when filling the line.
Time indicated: 12,49
